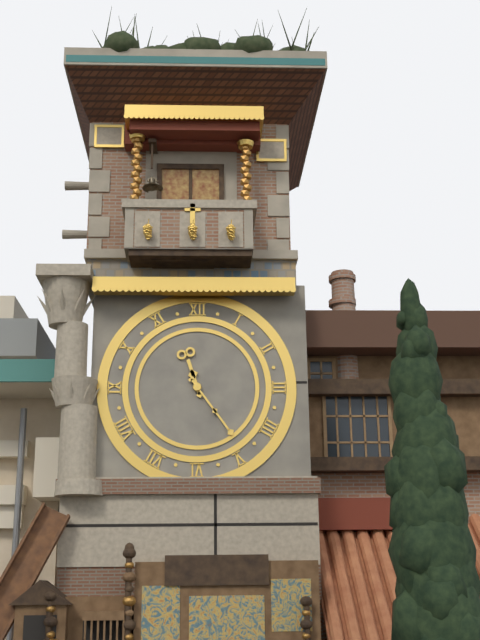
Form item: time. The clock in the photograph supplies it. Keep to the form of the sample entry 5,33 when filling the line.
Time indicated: 11,24
